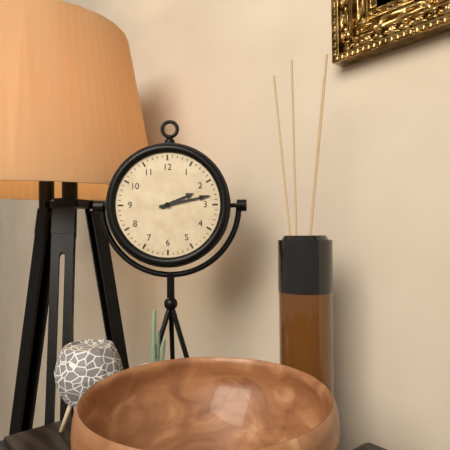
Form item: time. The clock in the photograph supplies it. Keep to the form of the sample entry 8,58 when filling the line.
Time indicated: 2,13
